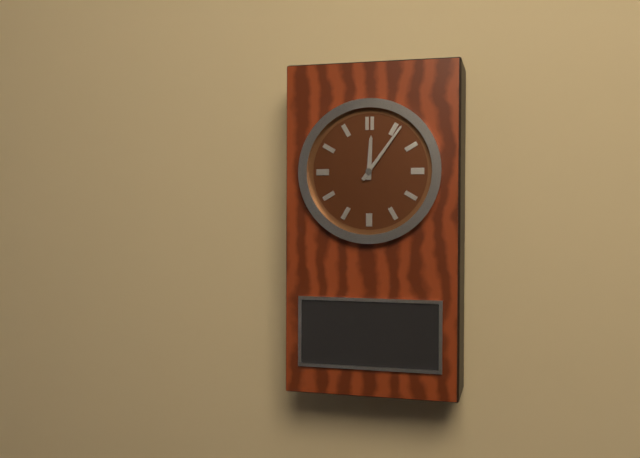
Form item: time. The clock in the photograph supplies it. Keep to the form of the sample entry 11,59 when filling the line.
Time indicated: 12,06
